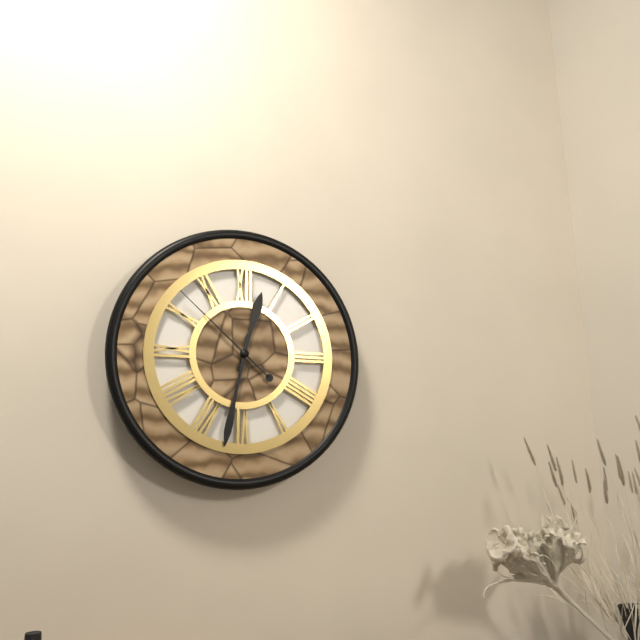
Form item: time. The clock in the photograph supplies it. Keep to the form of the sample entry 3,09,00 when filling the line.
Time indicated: 12,32,52
